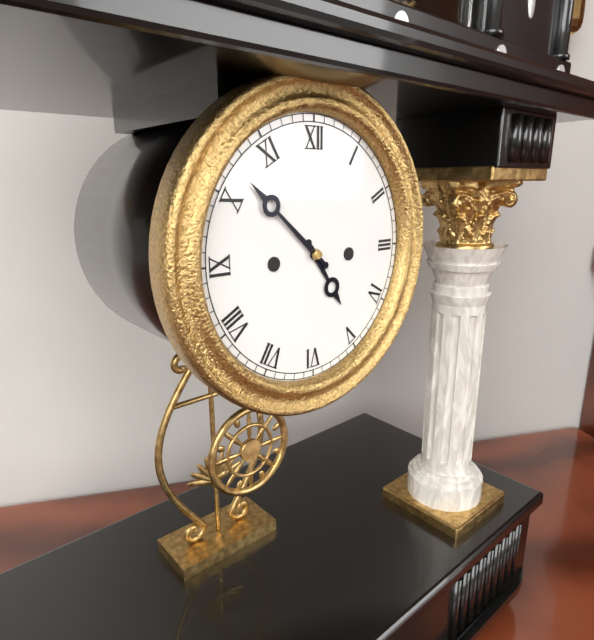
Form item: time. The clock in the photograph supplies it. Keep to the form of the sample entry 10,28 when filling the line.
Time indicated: 4,52
